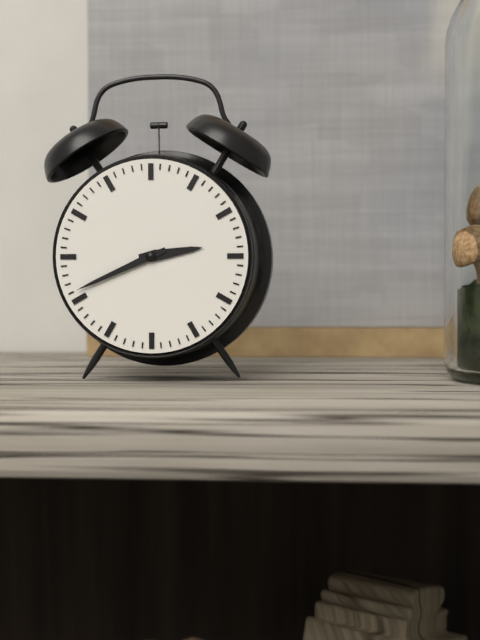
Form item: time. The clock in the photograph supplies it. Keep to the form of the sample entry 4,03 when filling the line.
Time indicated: 2,41
